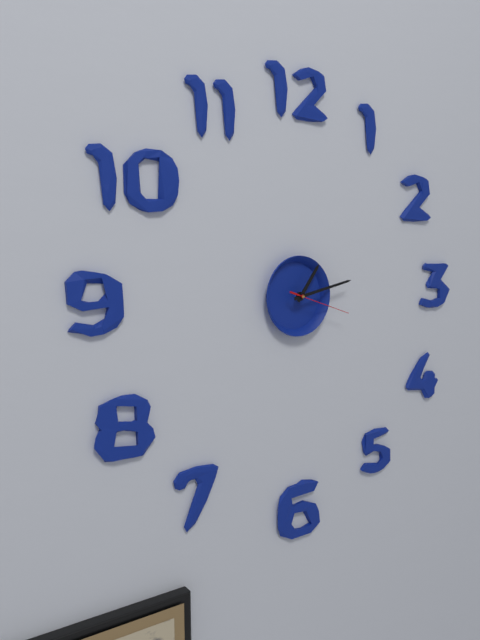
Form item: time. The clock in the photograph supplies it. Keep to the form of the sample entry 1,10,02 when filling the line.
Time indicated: 1,13,18
